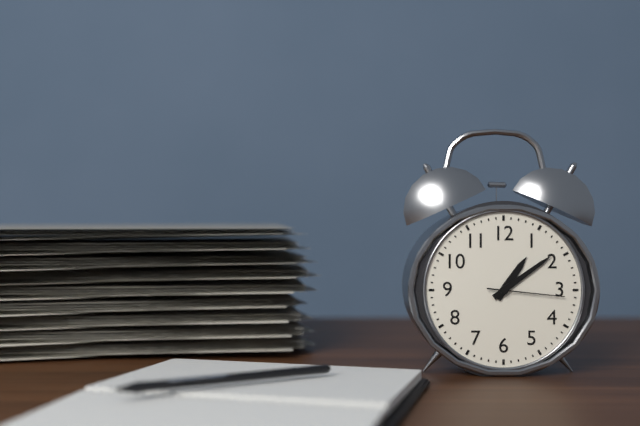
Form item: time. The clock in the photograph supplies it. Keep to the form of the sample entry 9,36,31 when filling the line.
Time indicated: 1,09,16
